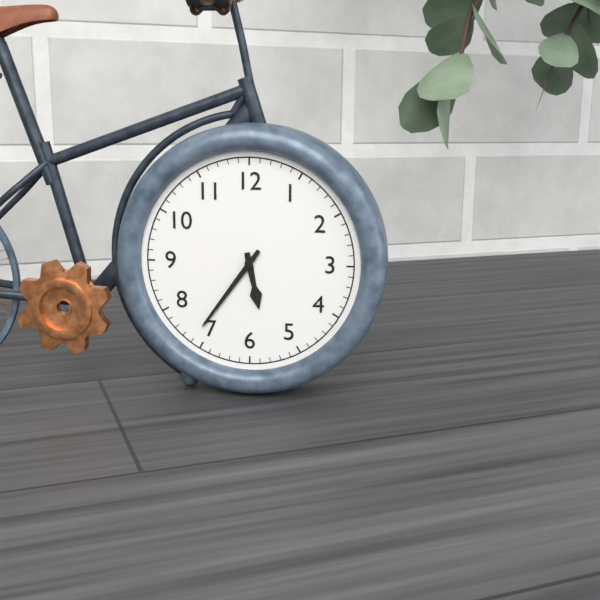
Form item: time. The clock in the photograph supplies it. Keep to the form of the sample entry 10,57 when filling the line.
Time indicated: 5,36
